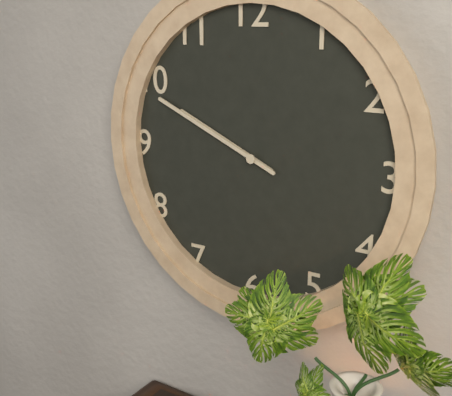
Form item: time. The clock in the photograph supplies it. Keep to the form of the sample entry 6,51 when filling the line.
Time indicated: 9,49
